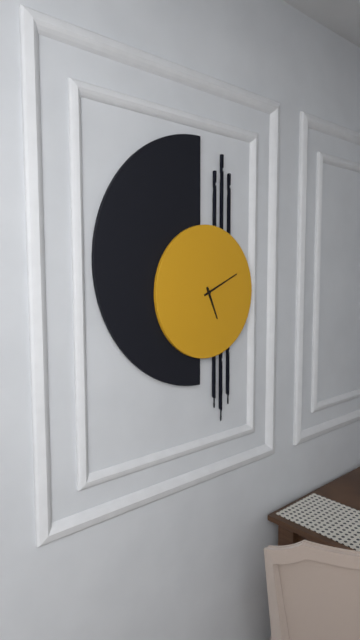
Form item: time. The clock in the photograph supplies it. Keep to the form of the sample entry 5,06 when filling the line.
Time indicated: 5,11
